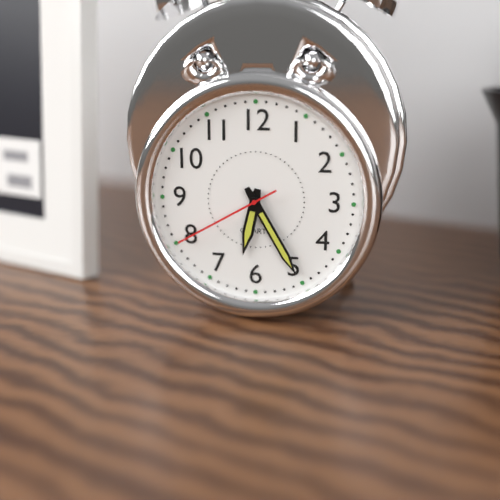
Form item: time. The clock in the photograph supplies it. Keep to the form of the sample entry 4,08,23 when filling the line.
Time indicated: 6,25,40
